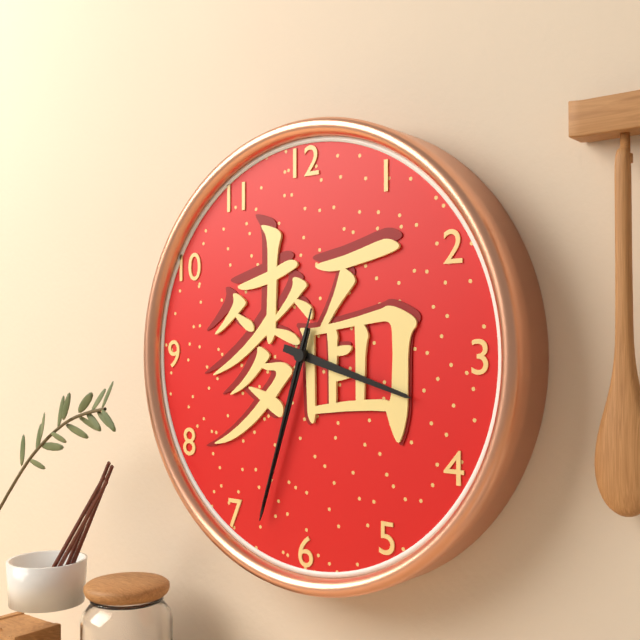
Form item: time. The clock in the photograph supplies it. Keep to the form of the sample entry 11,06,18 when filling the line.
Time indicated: 3,33,33
